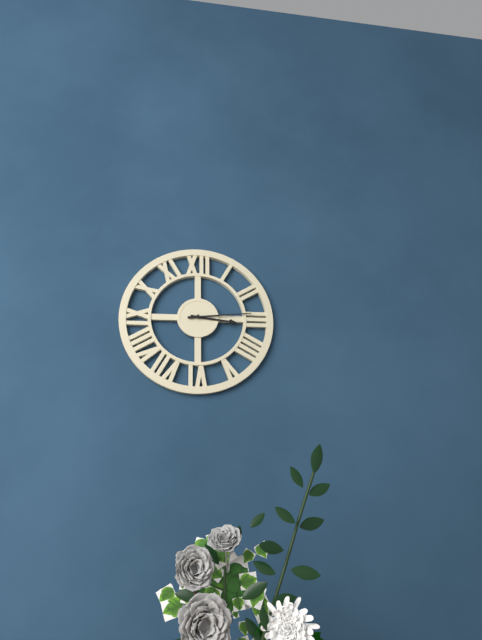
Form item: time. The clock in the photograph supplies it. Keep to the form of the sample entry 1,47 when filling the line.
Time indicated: 3,14
